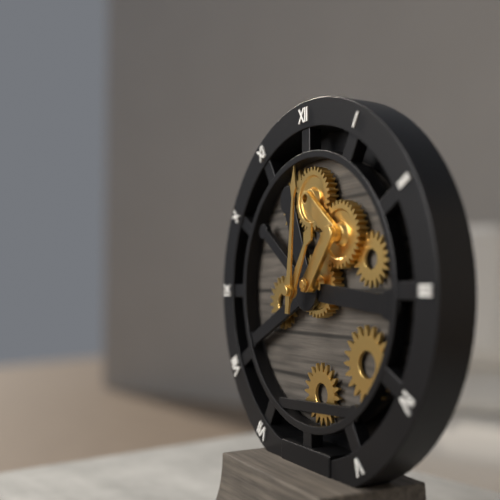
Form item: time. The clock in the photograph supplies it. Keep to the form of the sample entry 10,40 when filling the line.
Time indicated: 1,01
